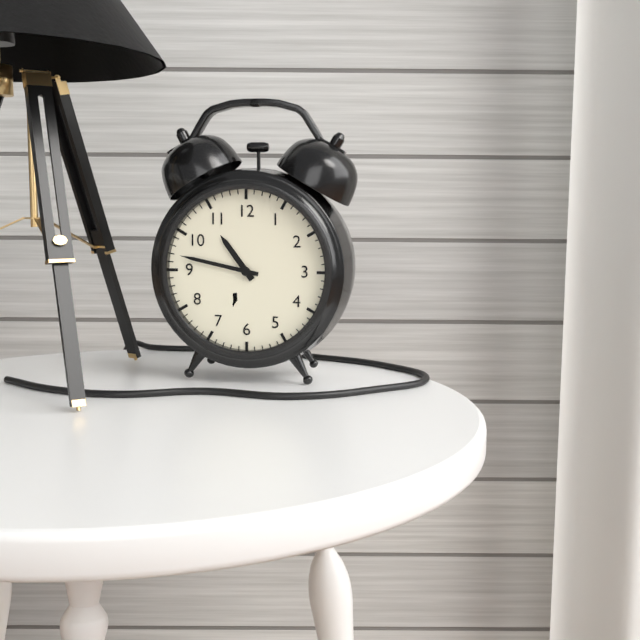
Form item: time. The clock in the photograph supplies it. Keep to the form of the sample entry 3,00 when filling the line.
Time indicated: 10,47
